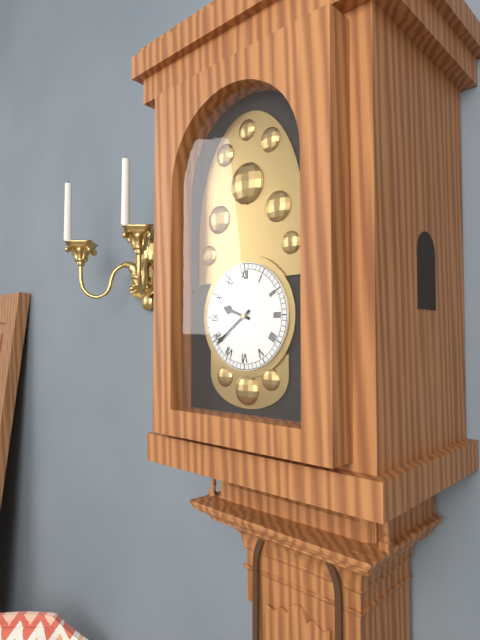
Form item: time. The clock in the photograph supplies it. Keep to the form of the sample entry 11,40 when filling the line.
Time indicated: 9,39
